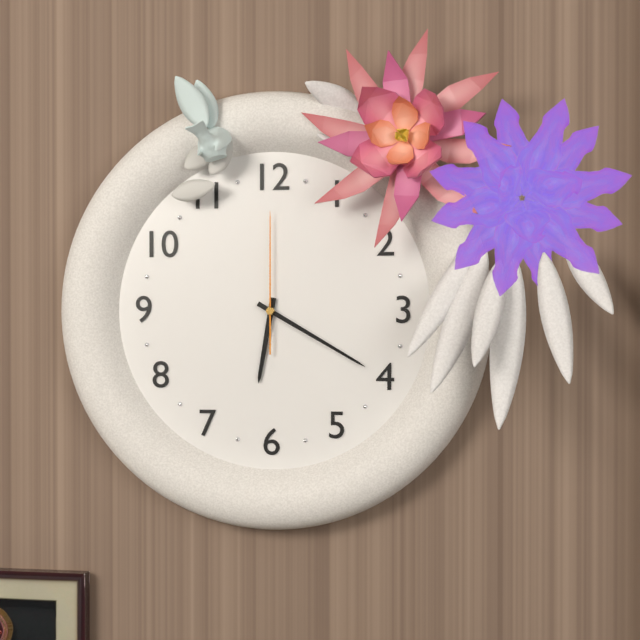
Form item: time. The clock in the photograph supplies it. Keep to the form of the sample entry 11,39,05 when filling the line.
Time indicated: 6,20,00
